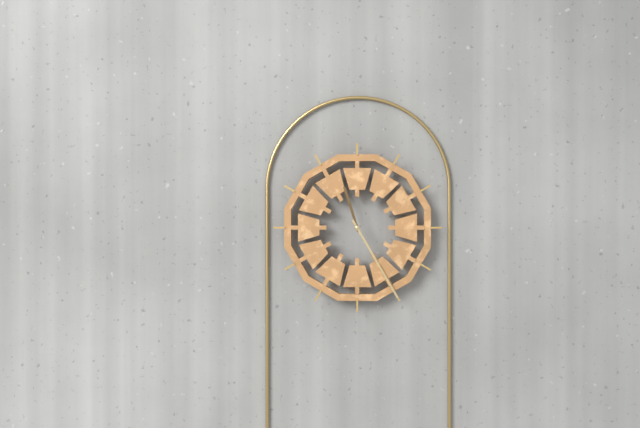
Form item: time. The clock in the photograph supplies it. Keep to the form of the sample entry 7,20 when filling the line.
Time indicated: 11,25
